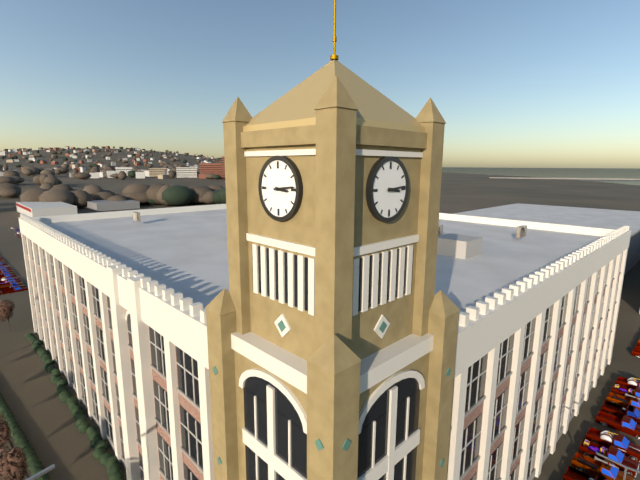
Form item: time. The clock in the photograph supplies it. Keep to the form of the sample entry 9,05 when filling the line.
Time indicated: 3,14
